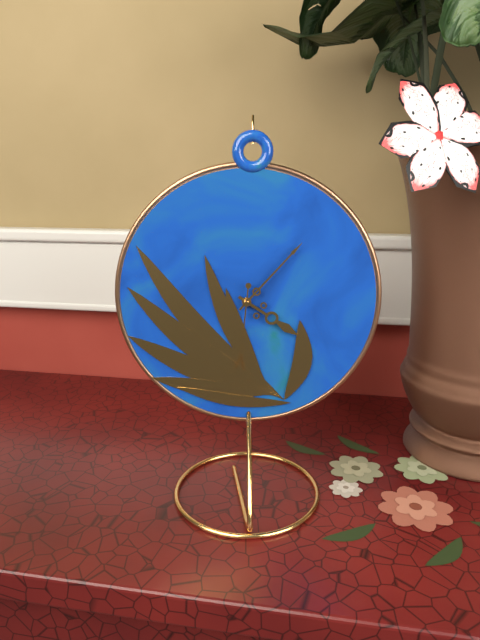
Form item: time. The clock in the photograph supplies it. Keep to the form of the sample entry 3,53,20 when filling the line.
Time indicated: 4,07,31
